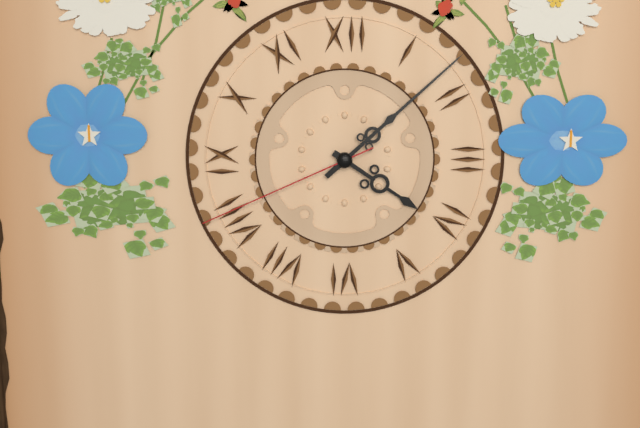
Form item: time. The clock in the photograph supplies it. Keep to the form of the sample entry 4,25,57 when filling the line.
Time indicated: 4,08,41
